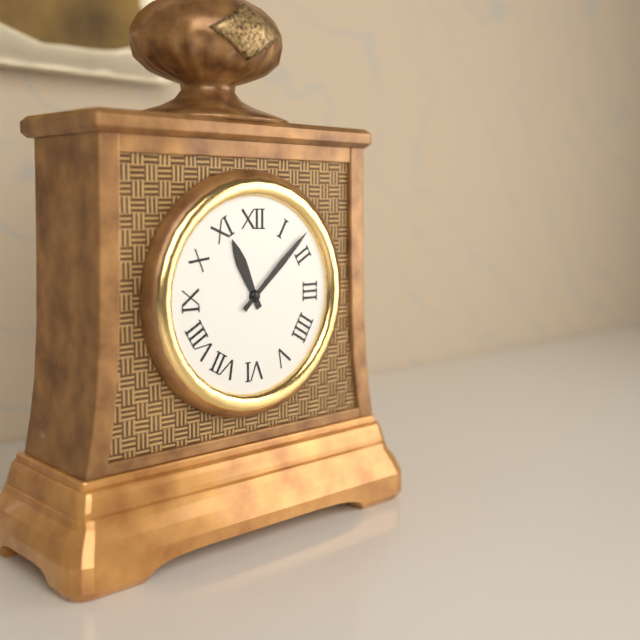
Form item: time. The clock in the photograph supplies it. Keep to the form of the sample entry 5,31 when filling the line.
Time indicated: 11,08
